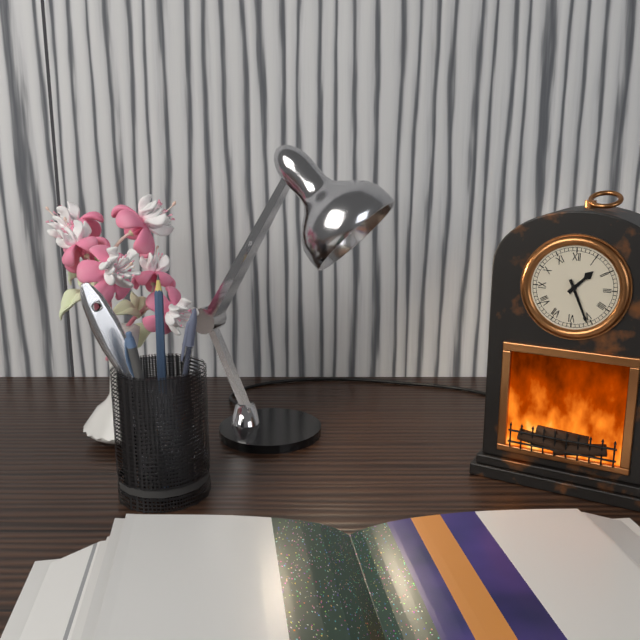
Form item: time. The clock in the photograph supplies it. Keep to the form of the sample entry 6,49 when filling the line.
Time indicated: 1,26
